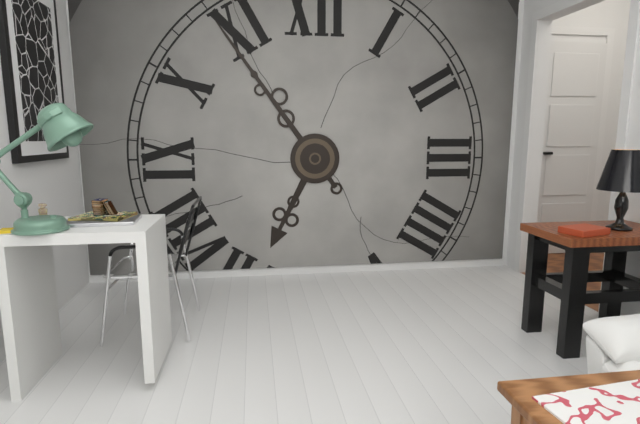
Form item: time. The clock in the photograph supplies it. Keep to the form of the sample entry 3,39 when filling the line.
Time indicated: 6,54
